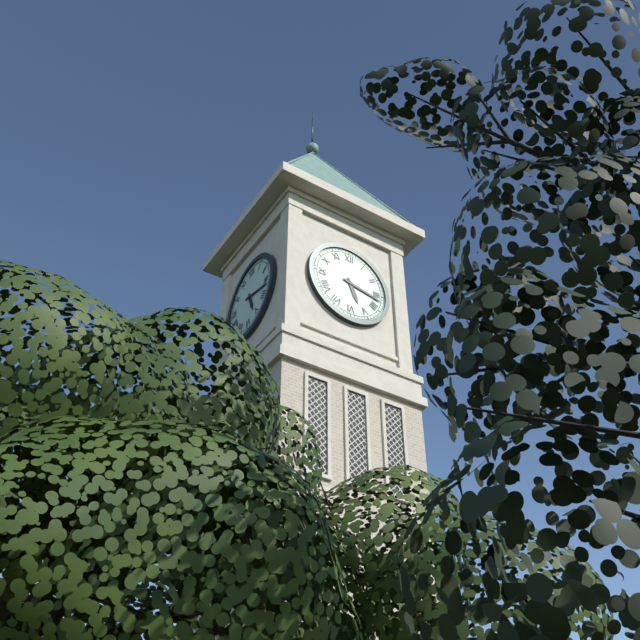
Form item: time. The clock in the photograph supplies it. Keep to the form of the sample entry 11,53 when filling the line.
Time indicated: 5,17
